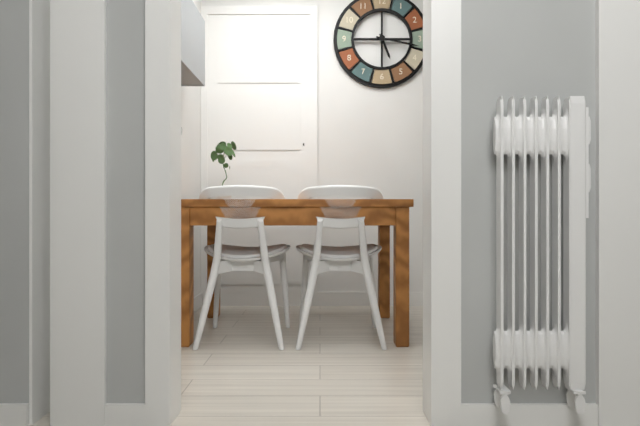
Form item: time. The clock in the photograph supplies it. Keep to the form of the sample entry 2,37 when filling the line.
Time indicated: 5,17
